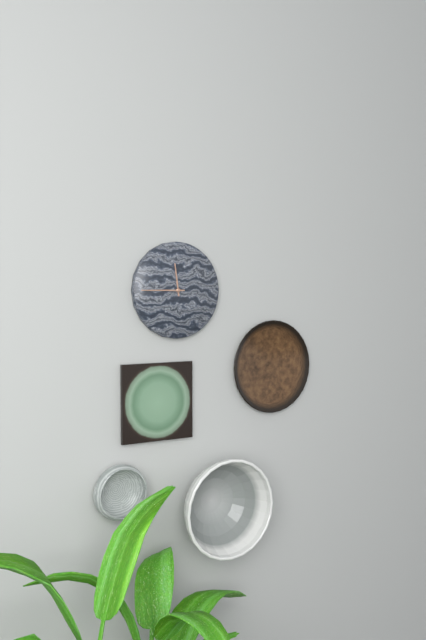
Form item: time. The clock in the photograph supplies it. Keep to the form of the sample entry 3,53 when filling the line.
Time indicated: 11,45
